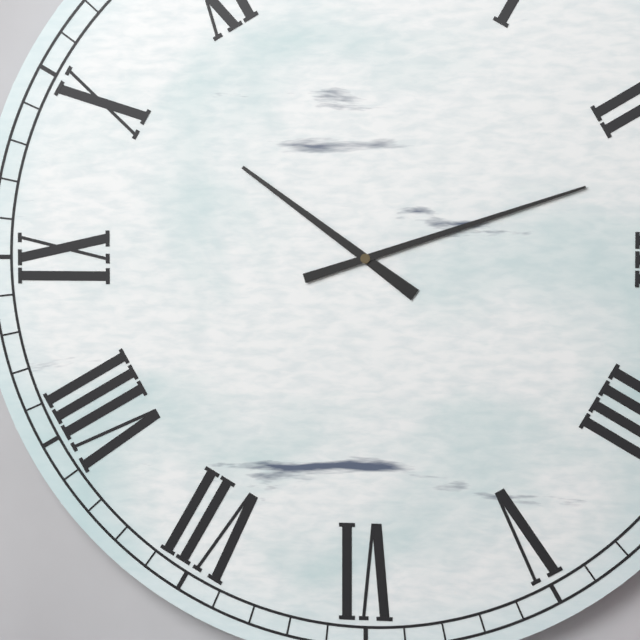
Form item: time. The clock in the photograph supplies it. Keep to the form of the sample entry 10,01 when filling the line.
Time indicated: 10,12
